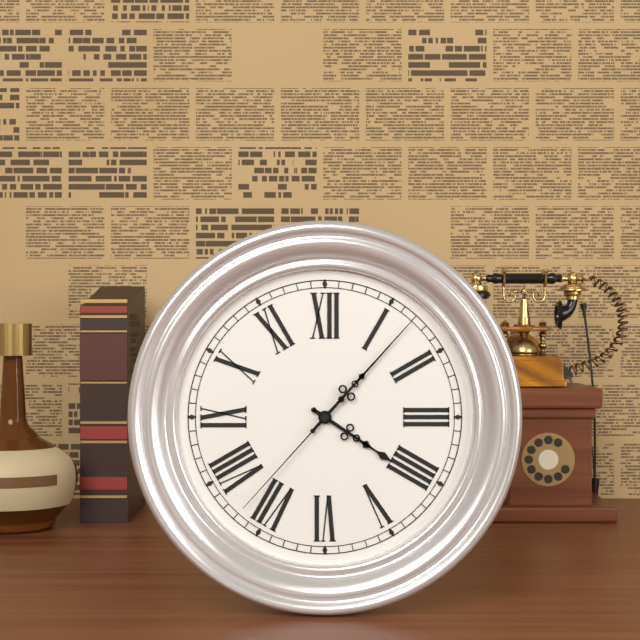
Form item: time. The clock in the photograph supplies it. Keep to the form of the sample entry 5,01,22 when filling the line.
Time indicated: 4,07,37
